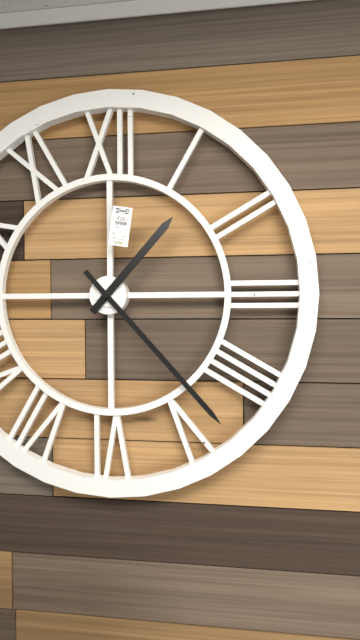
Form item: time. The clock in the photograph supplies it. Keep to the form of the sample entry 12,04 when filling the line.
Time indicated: 1,23
